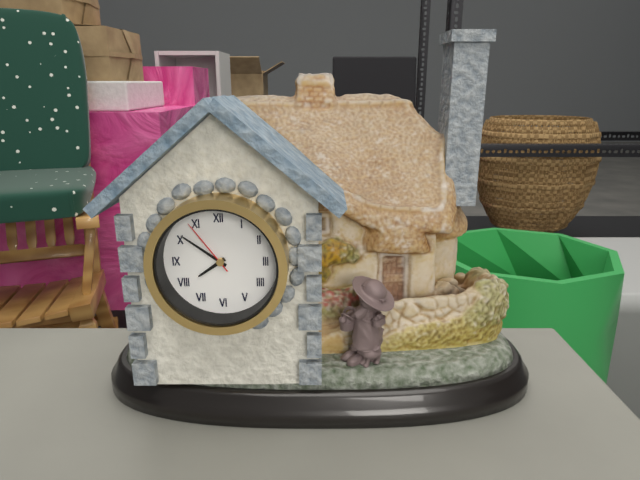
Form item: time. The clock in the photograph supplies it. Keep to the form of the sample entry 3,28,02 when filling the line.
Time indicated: 7,51,54
